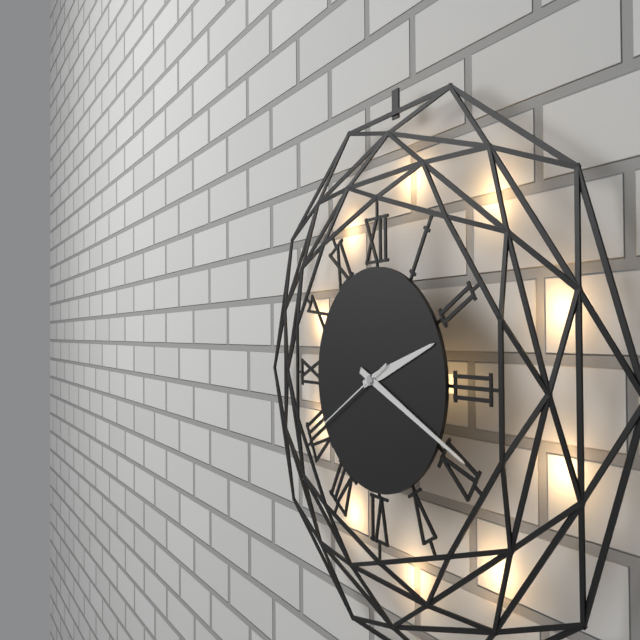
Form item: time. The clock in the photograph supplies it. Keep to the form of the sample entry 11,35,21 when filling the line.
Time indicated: 2,19,40
